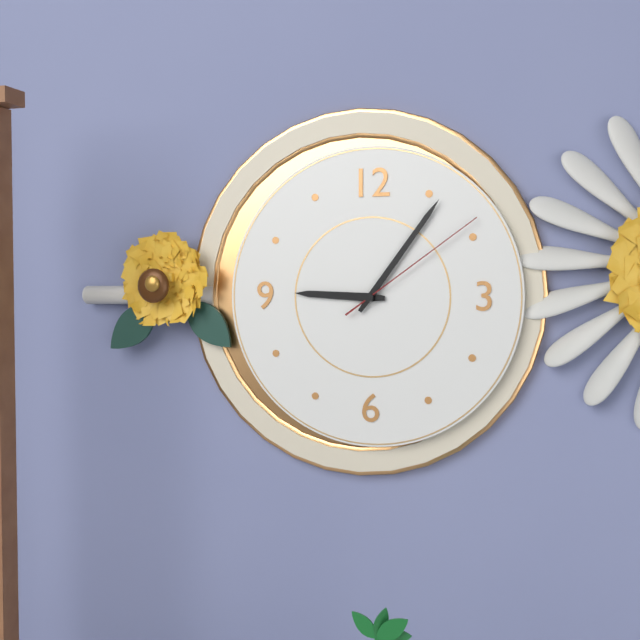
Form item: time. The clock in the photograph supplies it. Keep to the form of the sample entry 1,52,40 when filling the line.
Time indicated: 9,06,09
